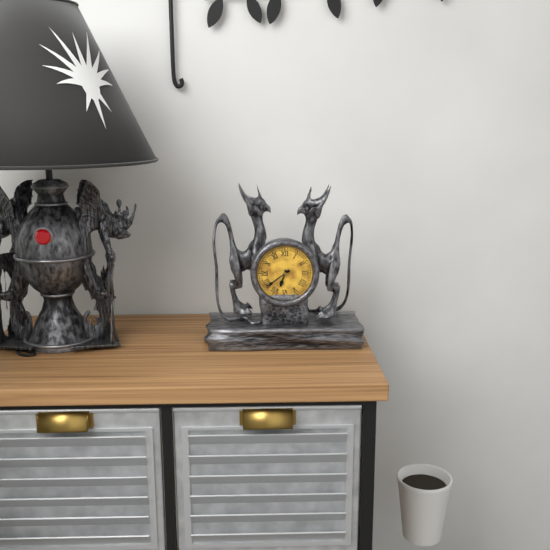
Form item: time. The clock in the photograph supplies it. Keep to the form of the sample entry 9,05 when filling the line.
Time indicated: 6,39
